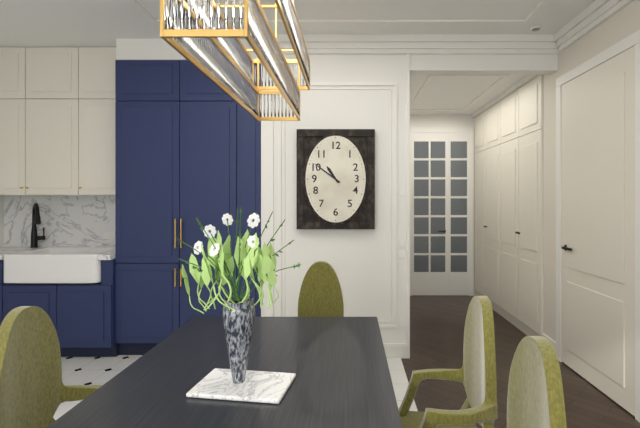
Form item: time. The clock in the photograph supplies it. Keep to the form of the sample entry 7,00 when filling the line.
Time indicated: 10,51
